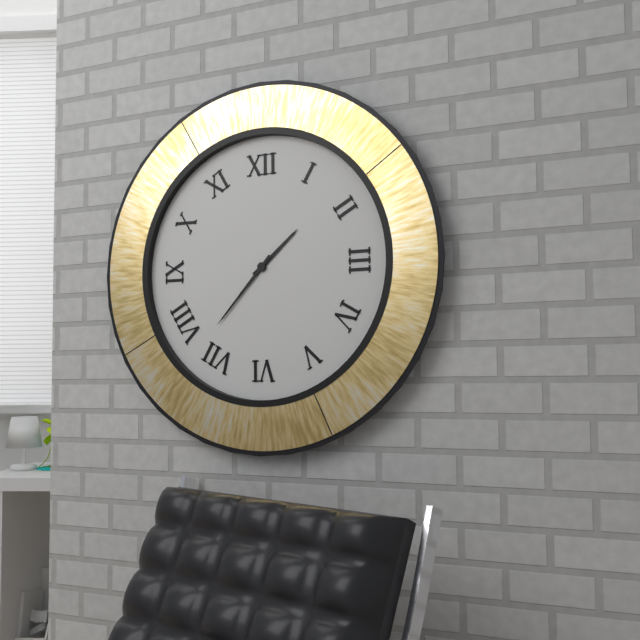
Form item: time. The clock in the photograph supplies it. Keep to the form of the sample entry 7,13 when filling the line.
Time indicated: 1,37
